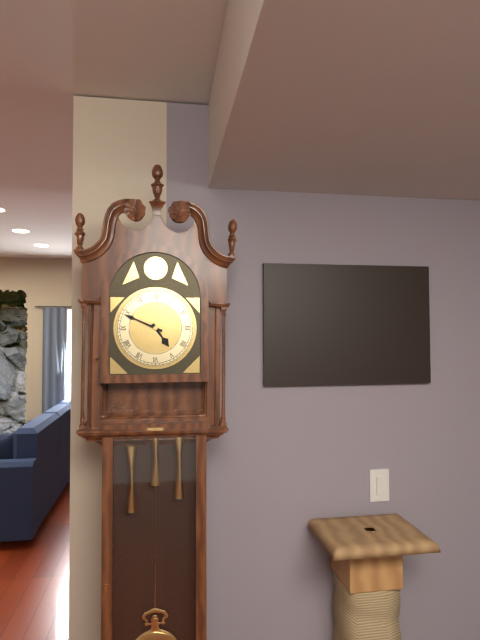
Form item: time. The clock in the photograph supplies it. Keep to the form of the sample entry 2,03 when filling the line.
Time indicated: 4,49
